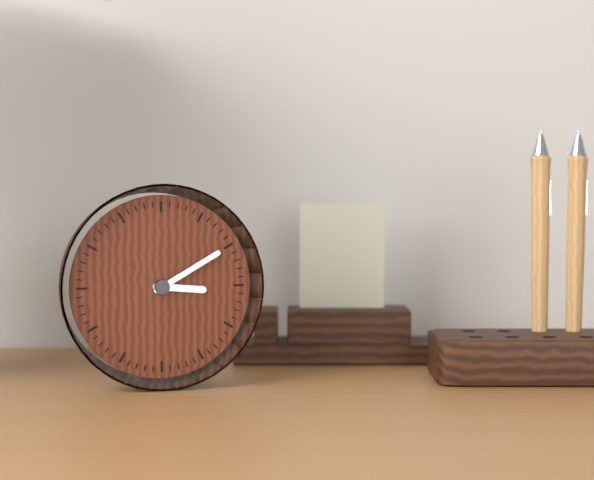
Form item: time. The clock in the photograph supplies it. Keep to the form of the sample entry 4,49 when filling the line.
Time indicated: 3,10
